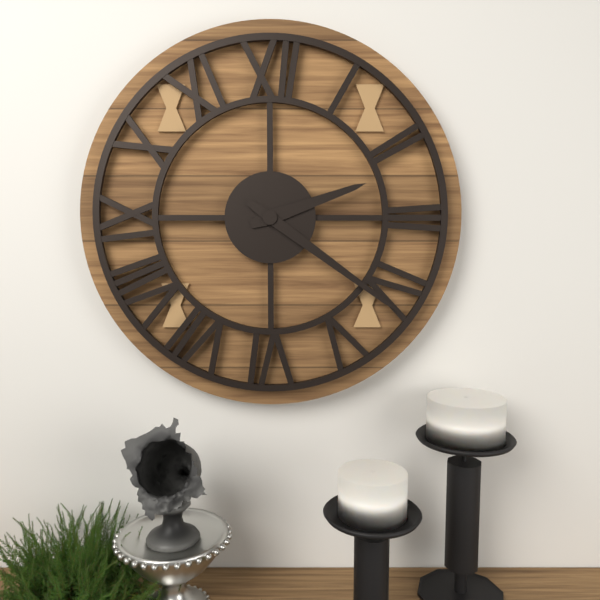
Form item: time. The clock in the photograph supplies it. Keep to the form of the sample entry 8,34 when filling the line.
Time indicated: 2,21
